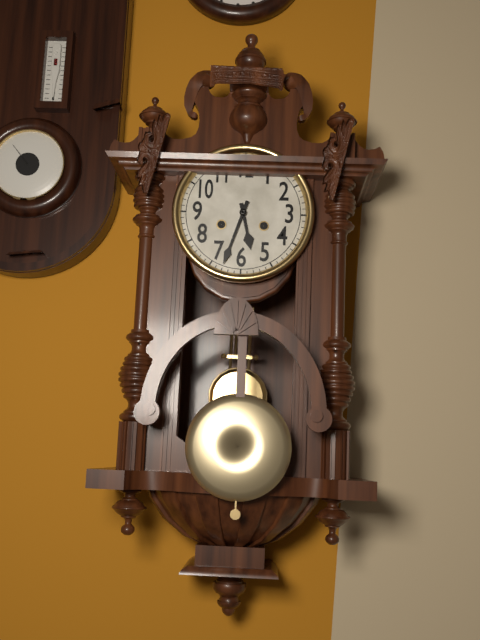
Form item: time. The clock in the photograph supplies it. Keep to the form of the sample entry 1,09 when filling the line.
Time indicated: 5,33
